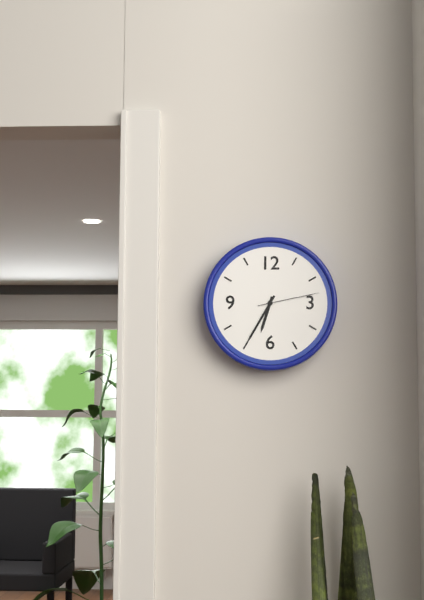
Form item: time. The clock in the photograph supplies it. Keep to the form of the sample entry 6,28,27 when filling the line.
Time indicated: 6,35,13
